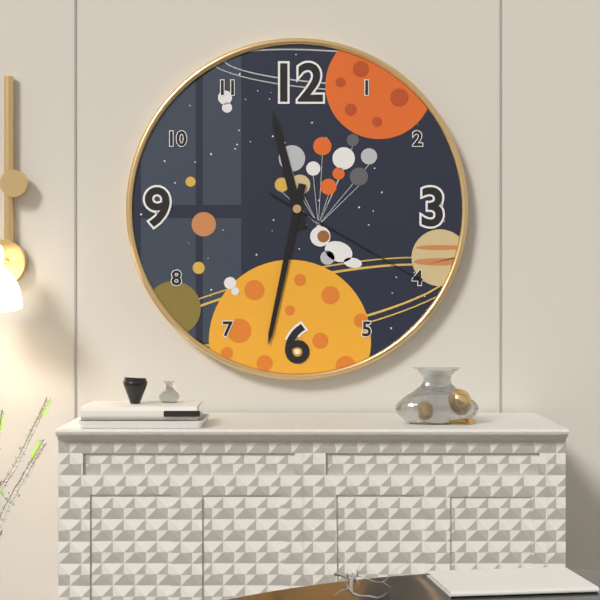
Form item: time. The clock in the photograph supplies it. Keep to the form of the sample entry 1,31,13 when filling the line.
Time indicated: 11,32,20
